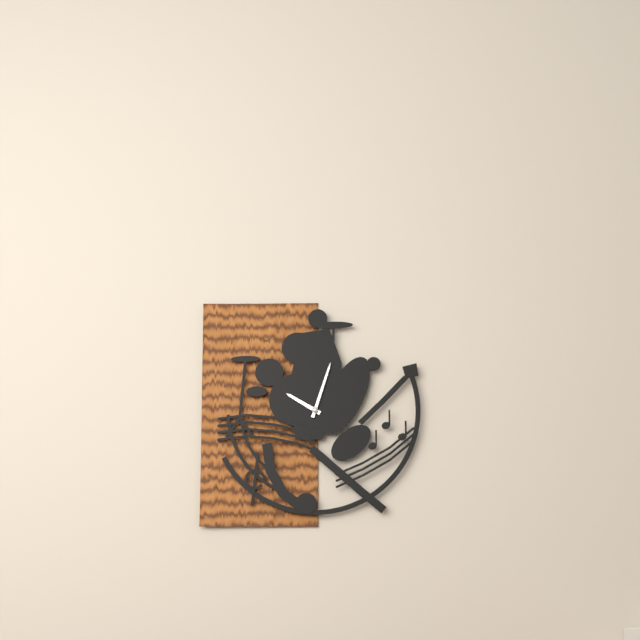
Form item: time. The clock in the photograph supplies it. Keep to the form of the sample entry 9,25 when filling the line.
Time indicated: 10,03
